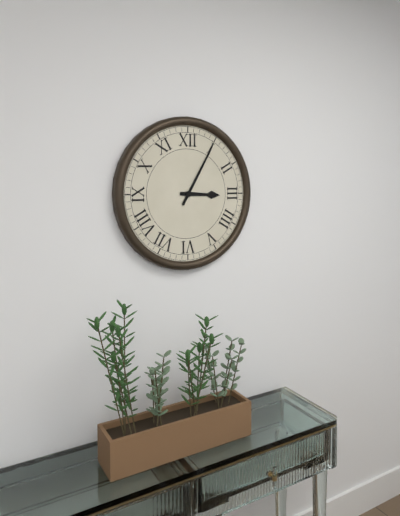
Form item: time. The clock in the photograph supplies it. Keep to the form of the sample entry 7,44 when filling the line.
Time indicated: 3,05
